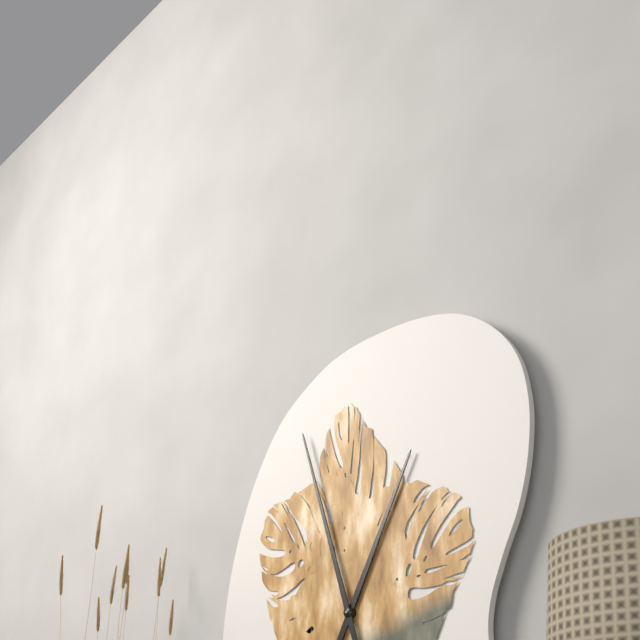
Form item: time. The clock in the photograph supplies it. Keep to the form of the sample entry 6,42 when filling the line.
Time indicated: 12,57
